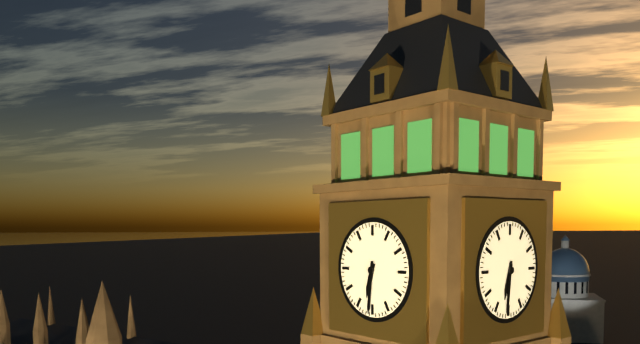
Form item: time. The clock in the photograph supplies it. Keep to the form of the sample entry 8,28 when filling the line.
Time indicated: 6,31
